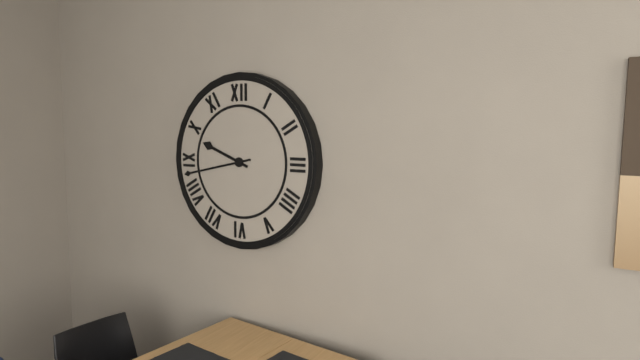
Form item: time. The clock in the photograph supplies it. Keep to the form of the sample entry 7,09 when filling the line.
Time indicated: 9,43
